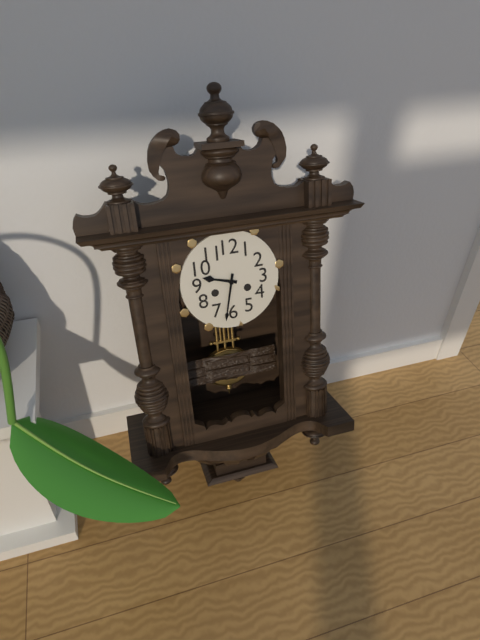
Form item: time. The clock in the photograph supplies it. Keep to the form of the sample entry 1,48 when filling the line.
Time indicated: 9,32
